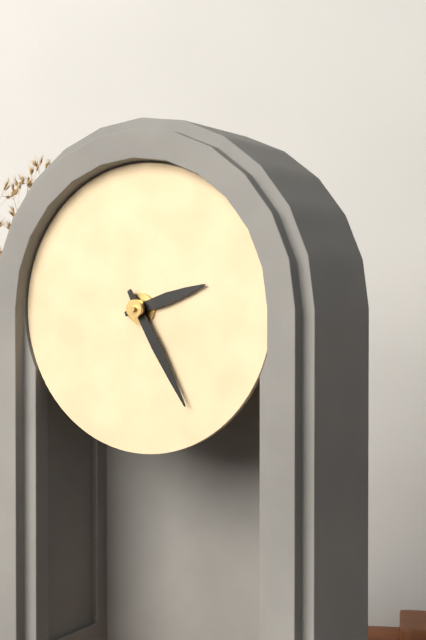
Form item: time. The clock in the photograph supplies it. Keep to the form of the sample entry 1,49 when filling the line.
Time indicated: 2,25
